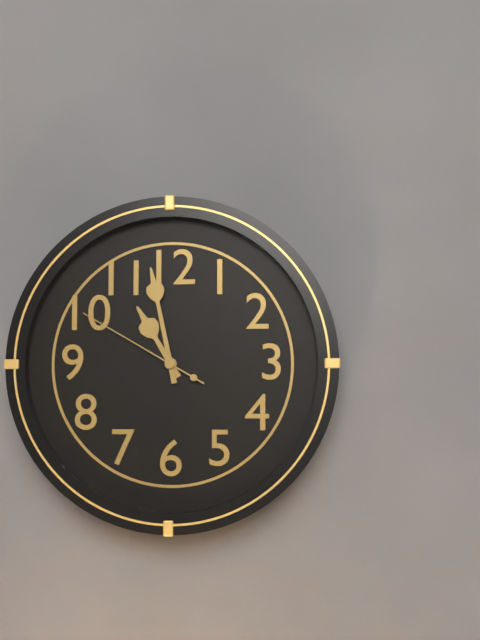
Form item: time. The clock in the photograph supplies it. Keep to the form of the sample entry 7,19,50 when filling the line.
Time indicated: 10,58,50
